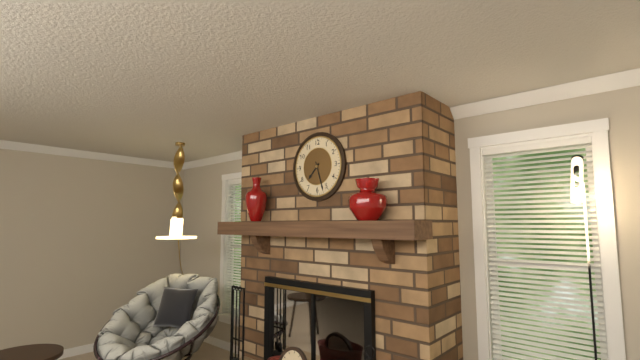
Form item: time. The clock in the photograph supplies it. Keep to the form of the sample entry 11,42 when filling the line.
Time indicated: 7,27
